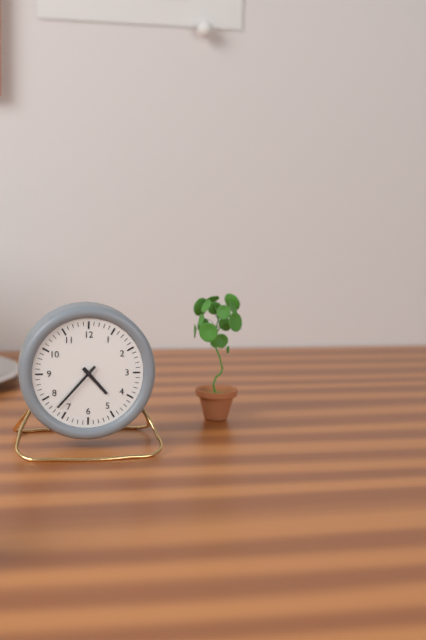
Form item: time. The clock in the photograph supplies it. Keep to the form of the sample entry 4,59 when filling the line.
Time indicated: 4,37
